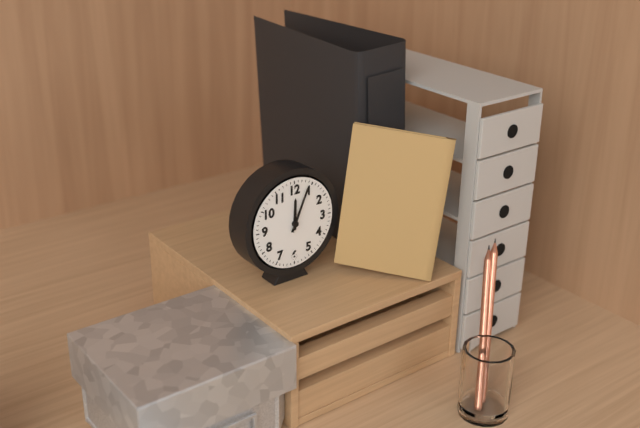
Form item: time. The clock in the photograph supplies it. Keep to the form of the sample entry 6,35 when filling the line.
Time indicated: 12,04
